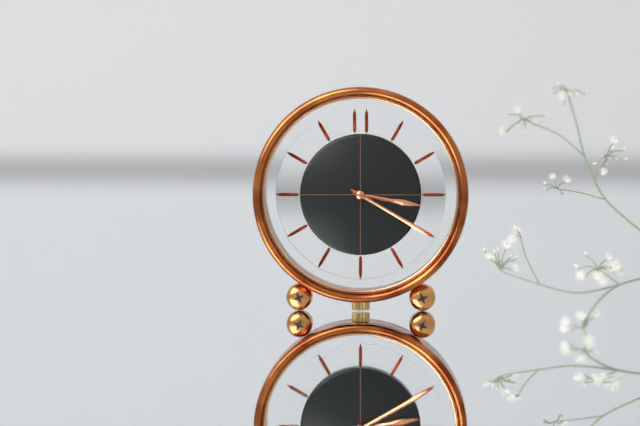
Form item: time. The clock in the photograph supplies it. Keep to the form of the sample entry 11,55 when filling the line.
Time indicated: 3,20
